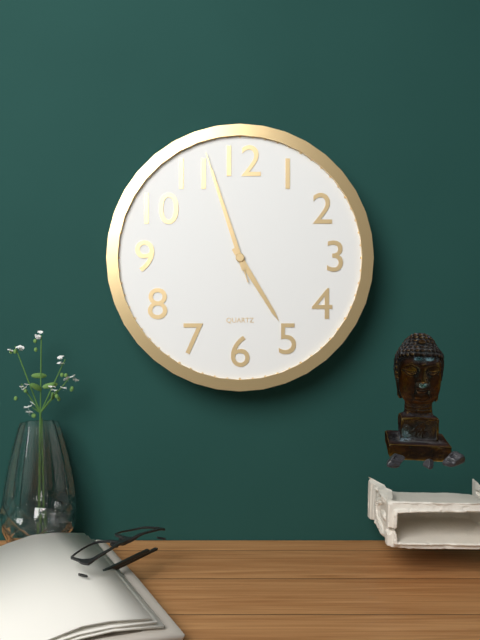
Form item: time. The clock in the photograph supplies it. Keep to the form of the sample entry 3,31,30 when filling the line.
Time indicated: 4,57,57
